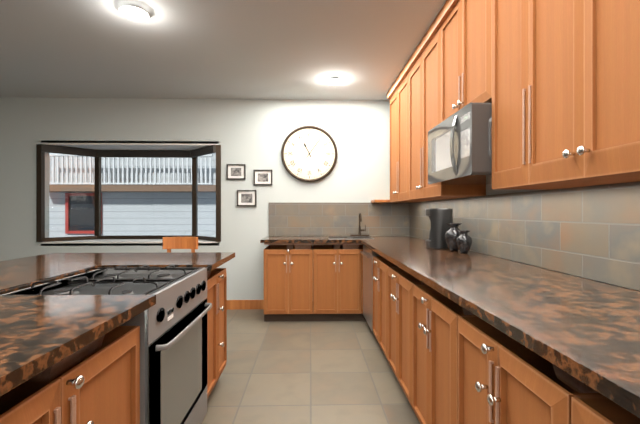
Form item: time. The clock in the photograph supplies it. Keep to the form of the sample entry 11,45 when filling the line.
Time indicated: 11,06
